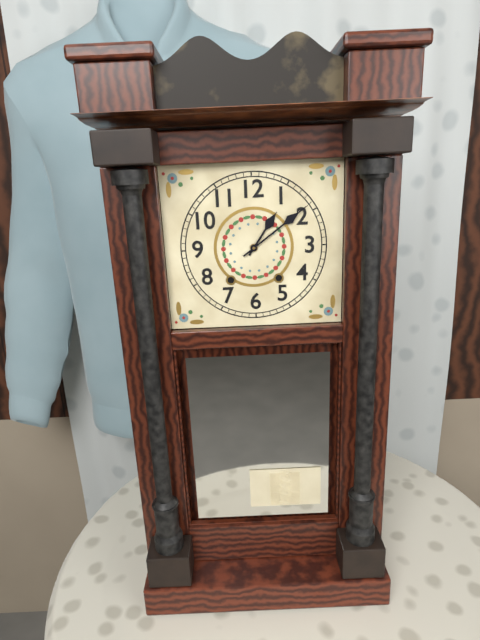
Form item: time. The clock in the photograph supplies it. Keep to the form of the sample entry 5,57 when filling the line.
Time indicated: 1,09
